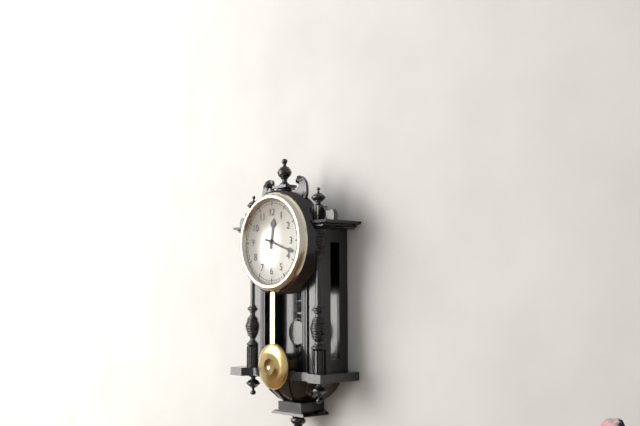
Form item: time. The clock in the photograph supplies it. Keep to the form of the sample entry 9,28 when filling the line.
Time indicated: 12,18
